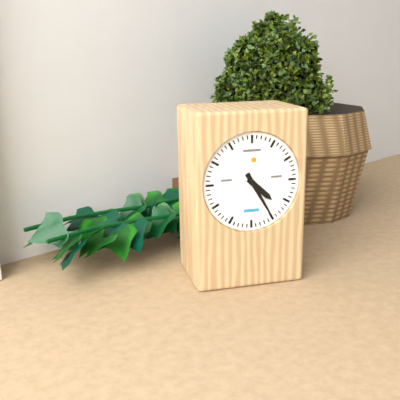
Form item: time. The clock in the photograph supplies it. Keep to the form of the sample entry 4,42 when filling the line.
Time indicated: 4,25
